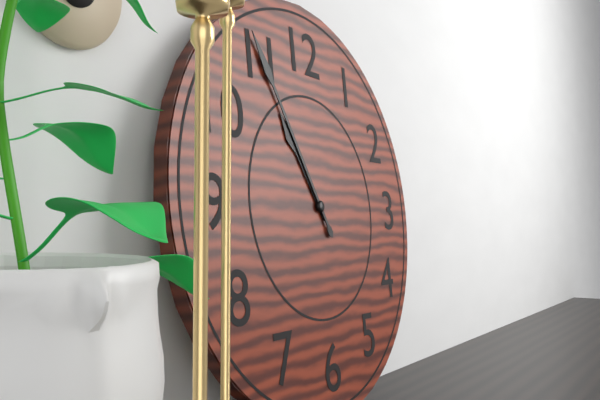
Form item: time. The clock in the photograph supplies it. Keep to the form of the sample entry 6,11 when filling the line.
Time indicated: 10,55
